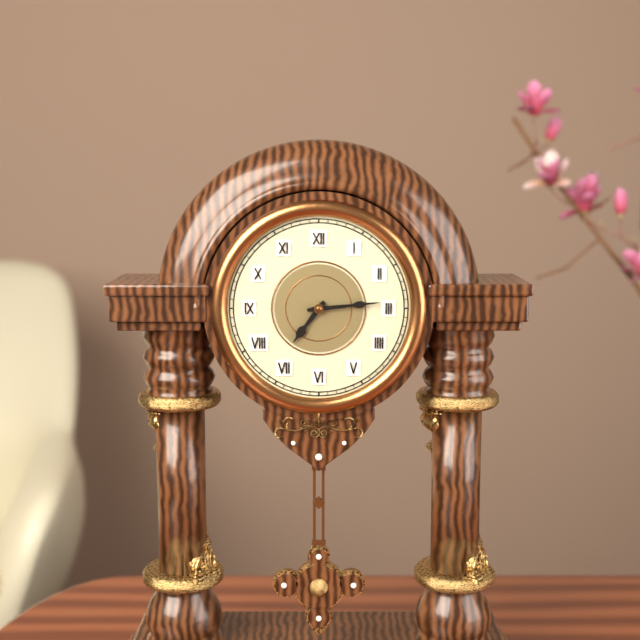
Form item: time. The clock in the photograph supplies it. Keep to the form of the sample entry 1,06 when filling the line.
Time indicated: 7,14
